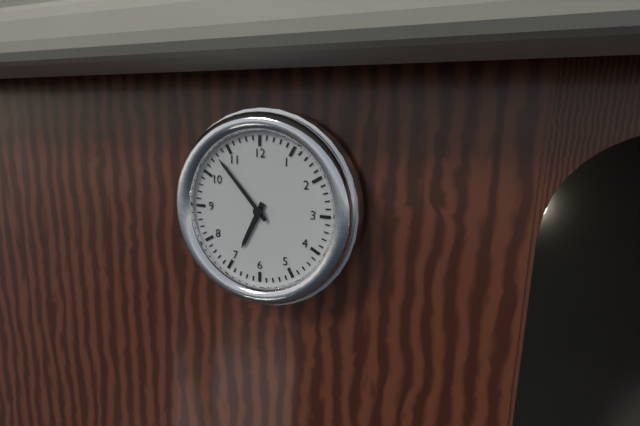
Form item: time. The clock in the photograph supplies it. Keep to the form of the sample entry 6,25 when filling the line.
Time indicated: 6,53
